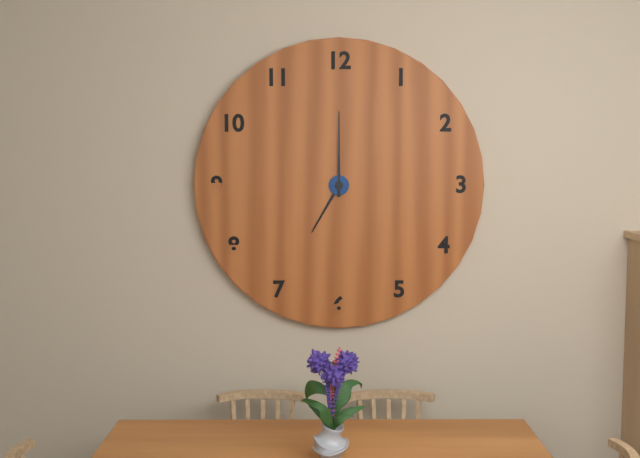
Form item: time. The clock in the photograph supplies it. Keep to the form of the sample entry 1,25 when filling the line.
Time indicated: 7,00
